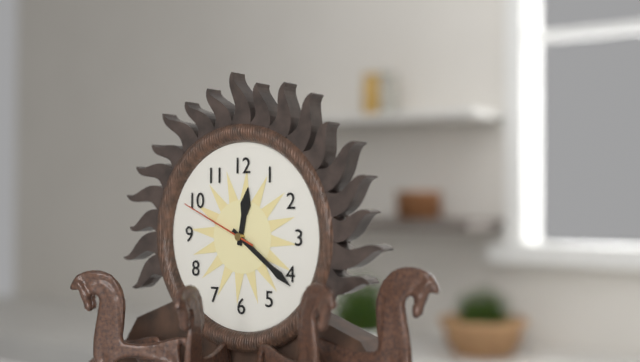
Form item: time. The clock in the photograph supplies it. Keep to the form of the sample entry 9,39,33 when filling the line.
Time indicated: 12,21,49
